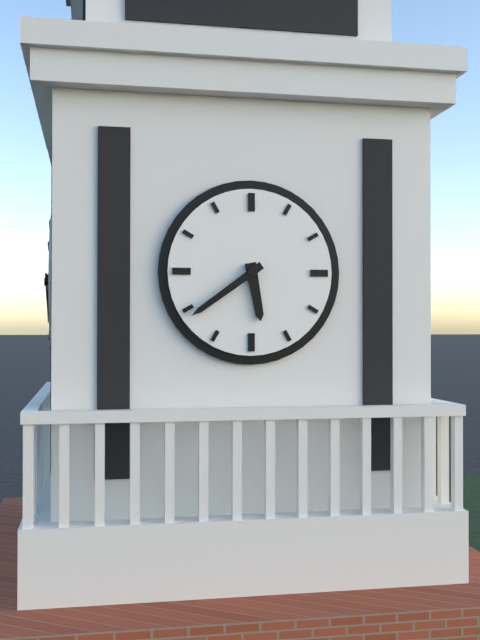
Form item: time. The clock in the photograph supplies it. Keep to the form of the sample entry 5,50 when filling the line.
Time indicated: 5,39
